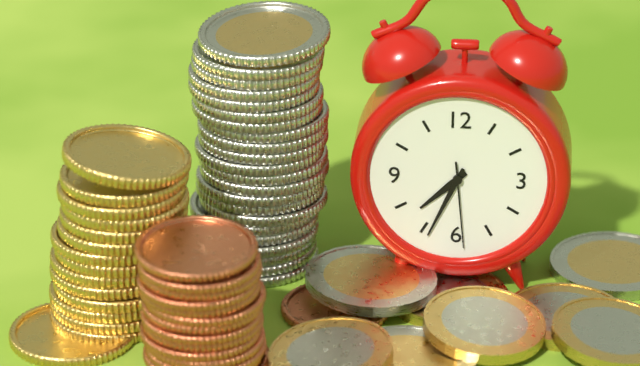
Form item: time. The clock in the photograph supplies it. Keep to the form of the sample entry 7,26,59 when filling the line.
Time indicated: 7,34,29
